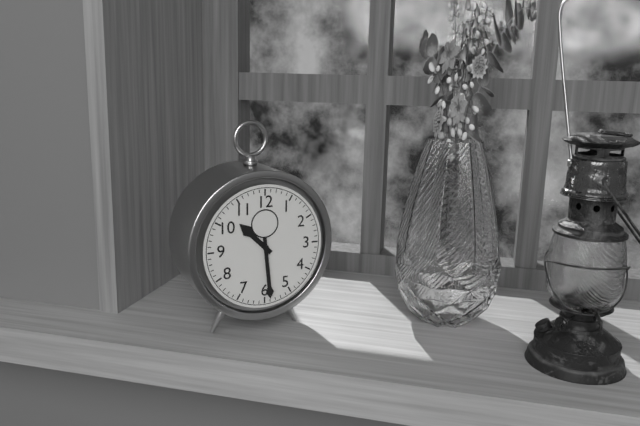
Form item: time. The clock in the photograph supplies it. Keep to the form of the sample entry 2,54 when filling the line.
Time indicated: 10,29
